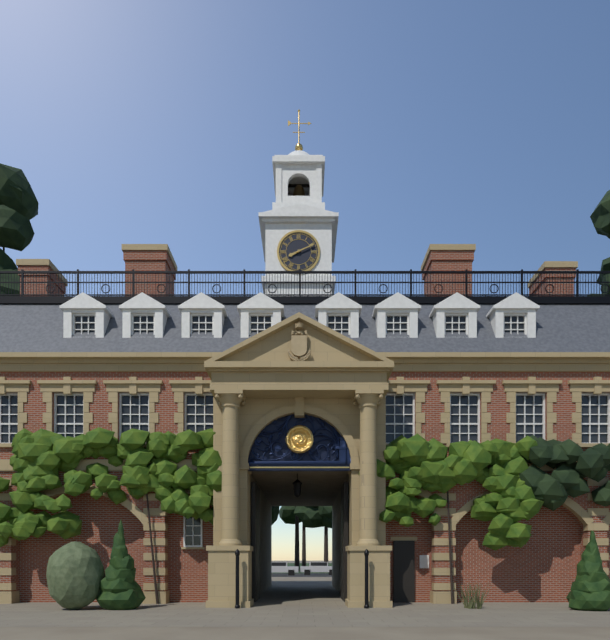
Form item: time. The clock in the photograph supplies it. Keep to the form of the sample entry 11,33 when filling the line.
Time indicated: 8,11
